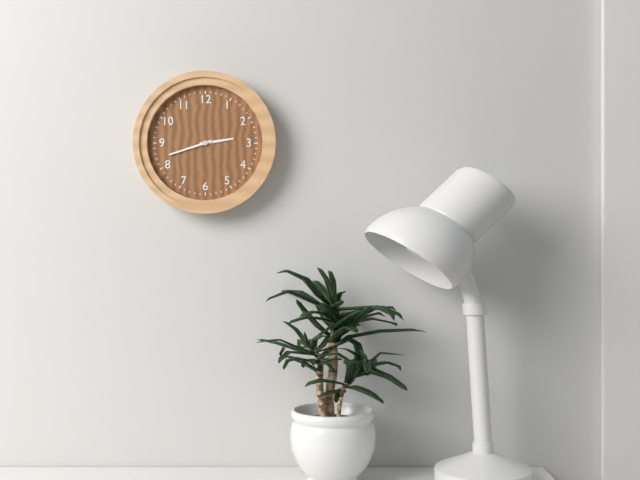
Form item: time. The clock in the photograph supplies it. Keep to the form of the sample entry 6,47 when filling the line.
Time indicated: 2,42
